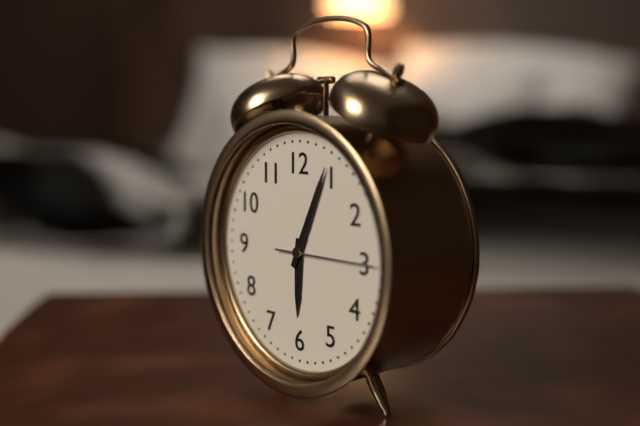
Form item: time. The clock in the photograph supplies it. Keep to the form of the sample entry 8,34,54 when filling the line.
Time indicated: 6,04,15
